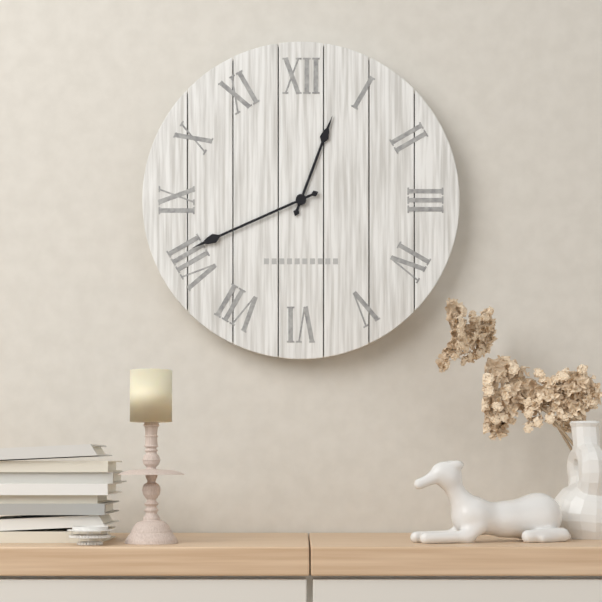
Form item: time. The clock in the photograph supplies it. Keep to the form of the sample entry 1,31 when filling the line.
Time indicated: 12,41
